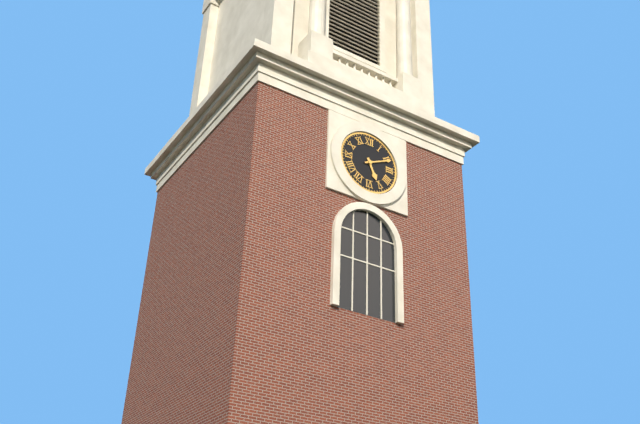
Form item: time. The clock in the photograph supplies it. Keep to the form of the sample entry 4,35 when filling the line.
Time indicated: 5,11
